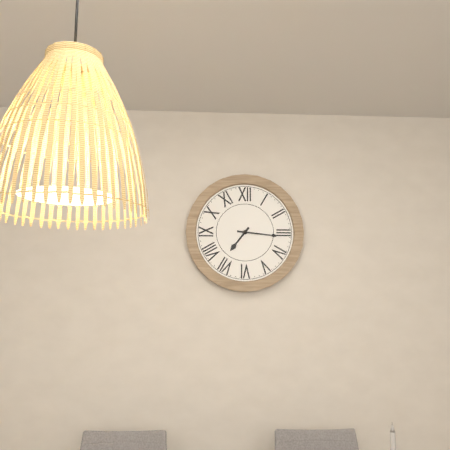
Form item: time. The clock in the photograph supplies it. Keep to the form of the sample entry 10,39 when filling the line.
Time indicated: 7,16
